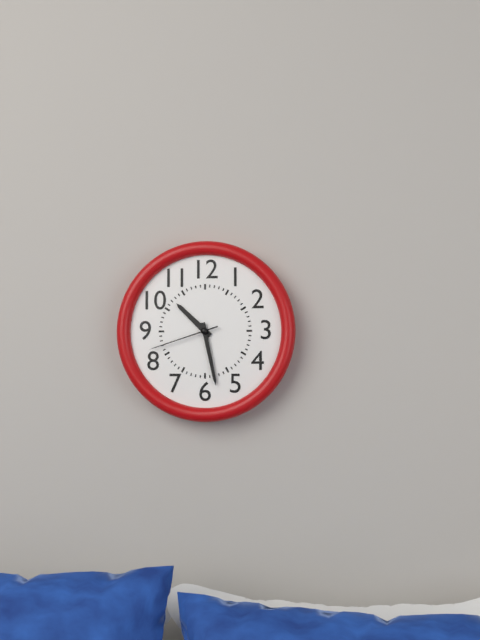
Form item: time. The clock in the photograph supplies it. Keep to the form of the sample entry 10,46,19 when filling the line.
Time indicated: 10,28,42
